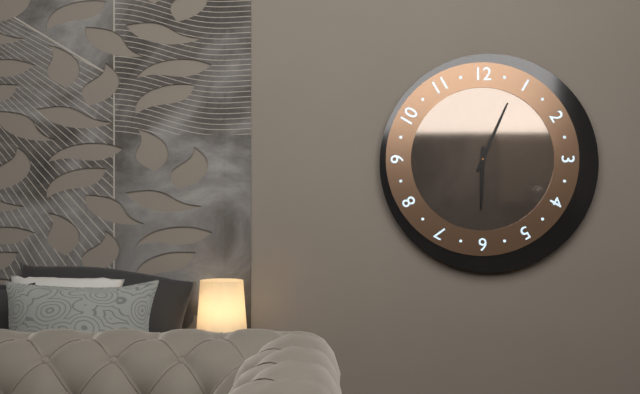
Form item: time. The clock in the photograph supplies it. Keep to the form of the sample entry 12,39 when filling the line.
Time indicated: 6,04
